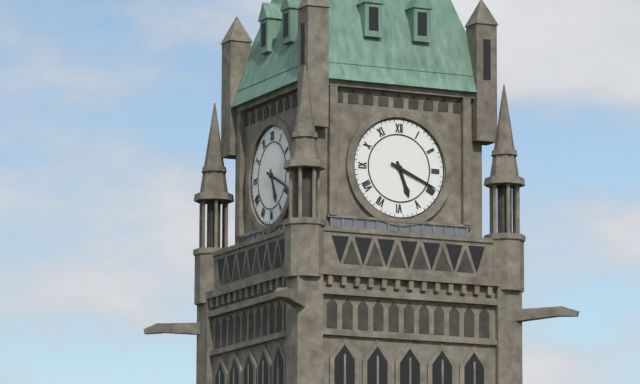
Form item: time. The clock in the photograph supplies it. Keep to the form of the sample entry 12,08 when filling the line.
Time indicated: 5,19
